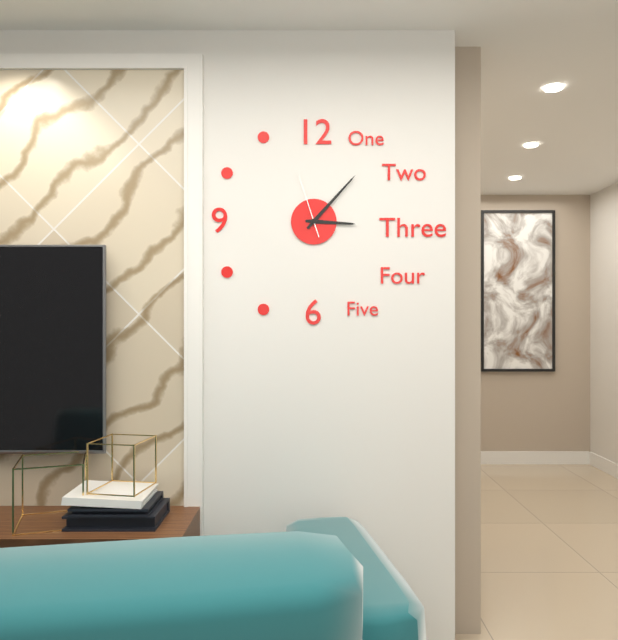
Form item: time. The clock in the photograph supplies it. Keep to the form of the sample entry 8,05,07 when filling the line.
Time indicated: 3,07,57
